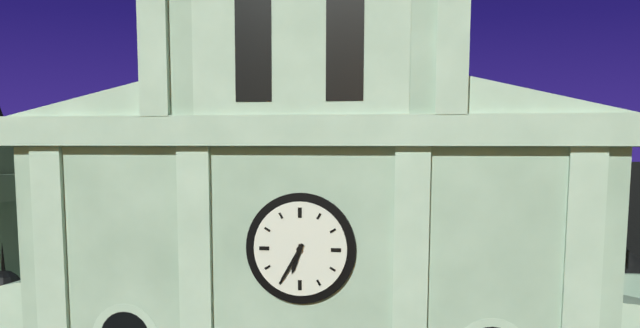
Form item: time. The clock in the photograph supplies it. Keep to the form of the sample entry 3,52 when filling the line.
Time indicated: 6,35
